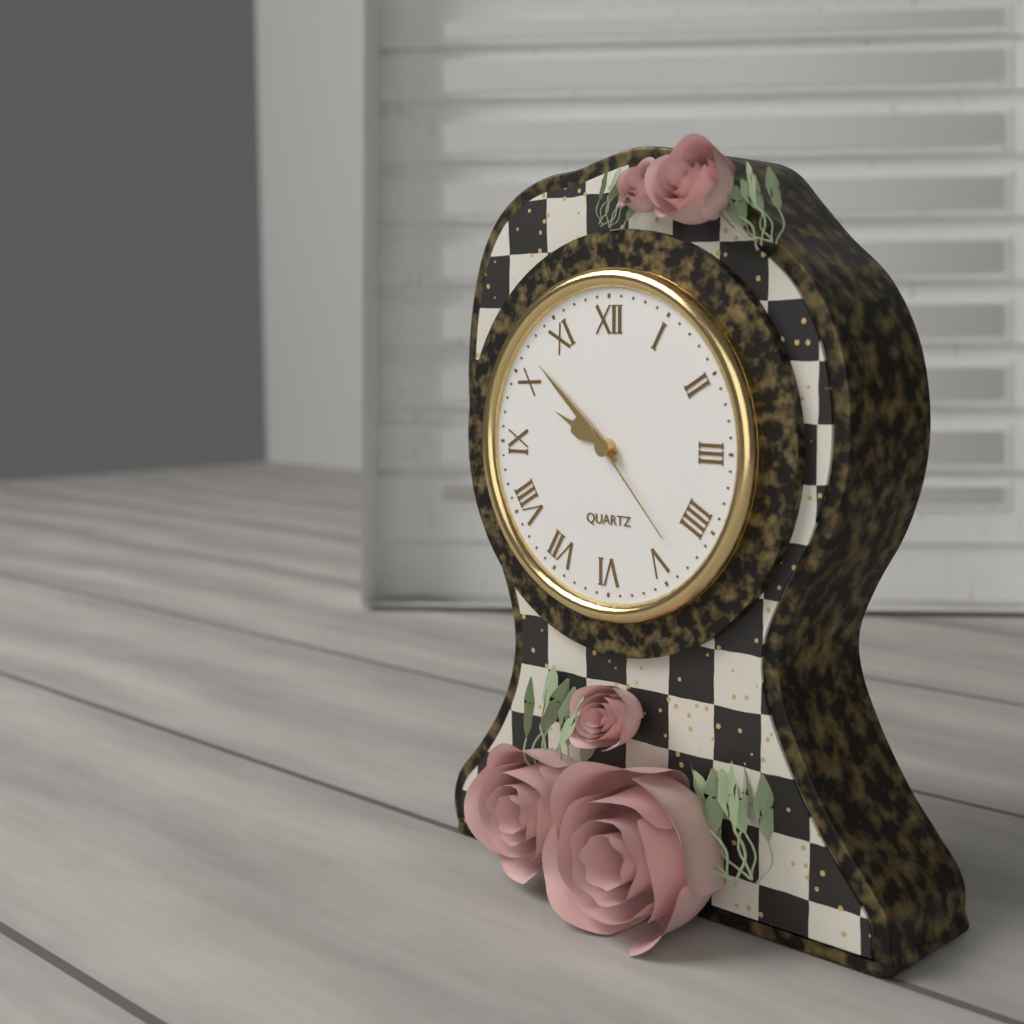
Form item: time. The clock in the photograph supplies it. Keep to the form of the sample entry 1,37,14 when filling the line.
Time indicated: 9,52,23
